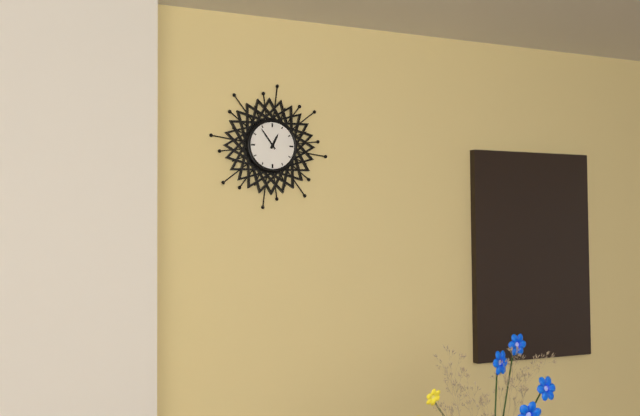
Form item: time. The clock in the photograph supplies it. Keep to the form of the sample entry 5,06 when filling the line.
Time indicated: 12,54
